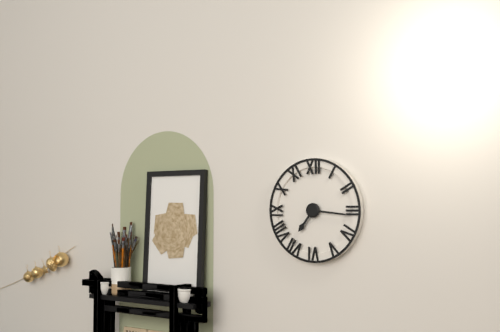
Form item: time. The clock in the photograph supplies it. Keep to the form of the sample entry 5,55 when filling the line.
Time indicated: 7,16
